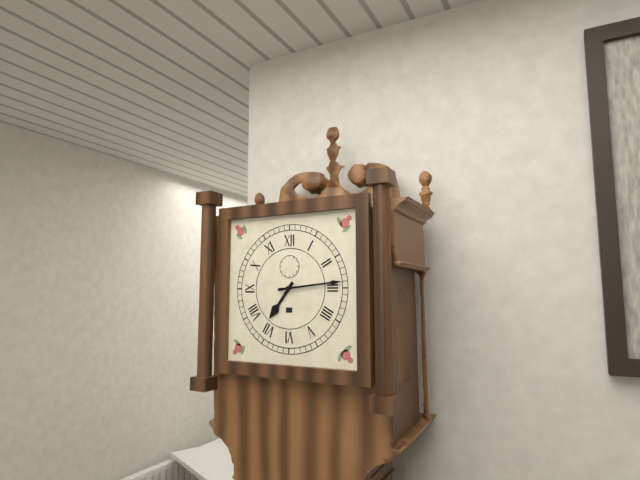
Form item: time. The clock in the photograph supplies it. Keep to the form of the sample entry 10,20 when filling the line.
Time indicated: 7,14
